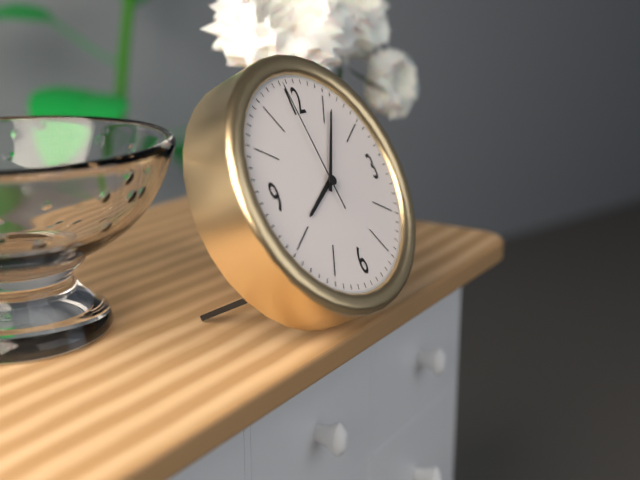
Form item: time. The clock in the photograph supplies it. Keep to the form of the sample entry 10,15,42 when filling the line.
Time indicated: 8,06,59
